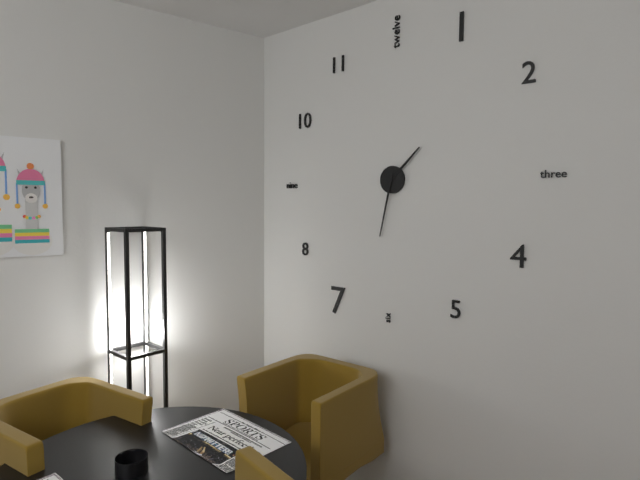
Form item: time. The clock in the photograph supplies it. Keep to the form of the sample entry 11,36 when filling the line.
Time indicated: 1,32
